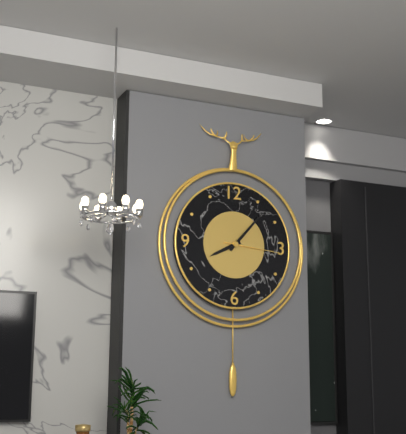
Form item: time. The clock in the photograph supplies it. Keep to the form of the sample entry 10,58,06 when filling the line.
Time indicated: 8,07,16
